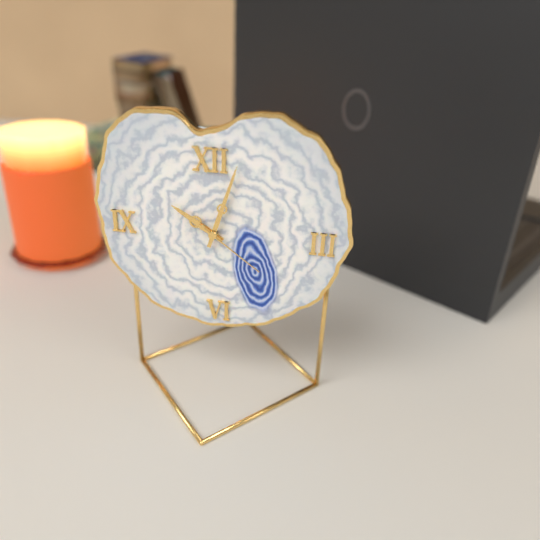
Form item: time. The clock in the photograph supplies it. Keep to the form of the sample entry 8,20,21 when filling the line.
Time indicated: 10,03,21
